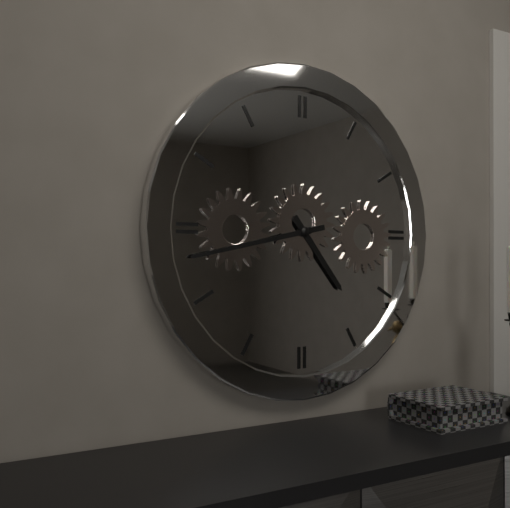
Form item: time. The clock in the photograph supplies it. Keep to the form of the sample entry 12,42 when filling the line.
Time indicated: 4,43
